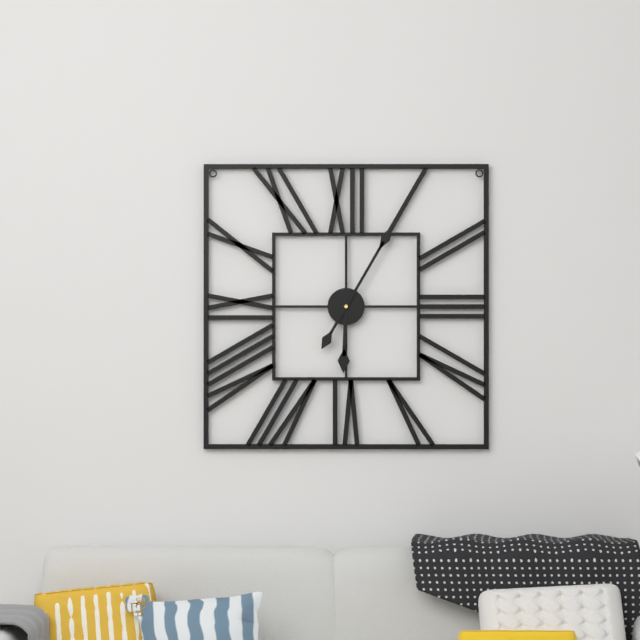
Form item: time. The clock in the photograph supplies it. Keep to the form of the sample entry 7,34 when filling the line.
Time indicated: 6,05
